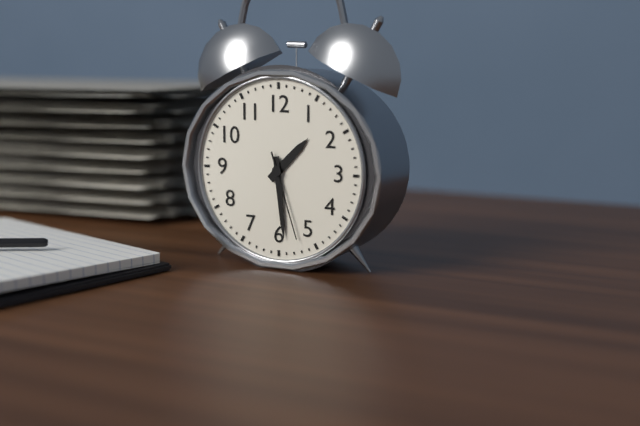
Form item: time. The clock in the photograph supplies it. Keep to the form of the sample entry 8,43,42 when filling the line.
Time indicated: 1,29,27
